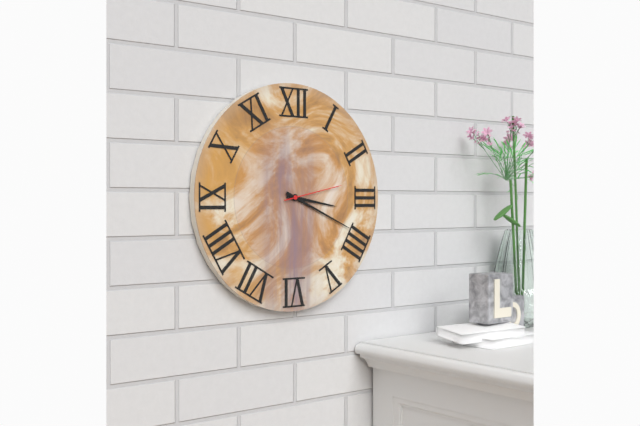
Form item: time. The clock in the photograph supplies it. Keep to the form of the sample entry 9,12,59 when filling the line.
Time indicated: 3,19,13
